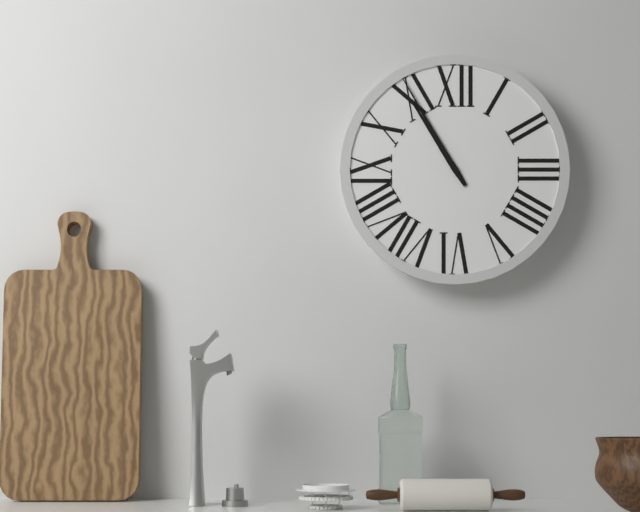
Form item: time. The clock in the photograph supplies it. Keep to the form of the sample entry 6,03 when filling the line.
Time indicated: 10,55
